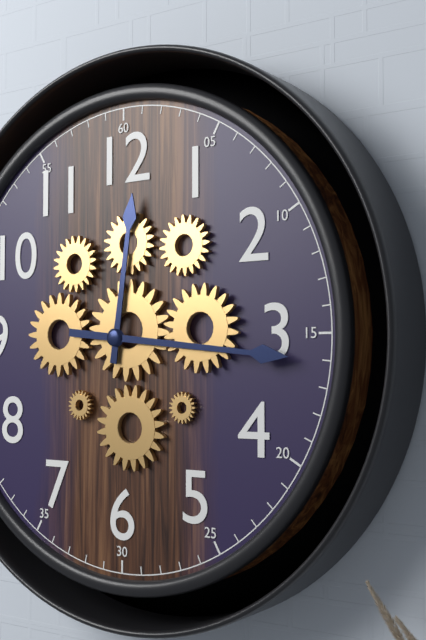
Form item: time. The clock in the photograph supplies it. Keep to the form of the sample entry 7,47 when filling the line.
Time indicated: 12,16
